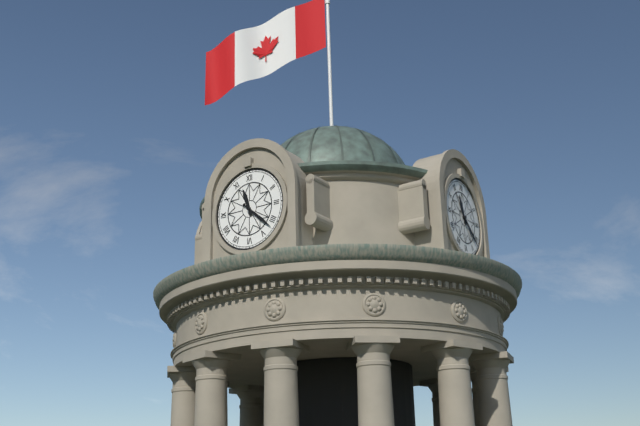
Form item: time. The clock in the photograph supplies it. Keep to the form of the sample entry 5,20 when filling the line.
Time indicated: 11,22
